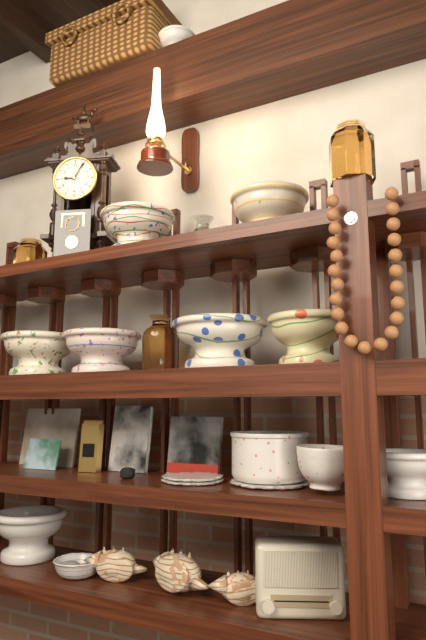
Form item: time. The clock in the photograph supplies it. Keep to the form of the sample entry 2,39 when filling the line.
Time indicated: 9,05
